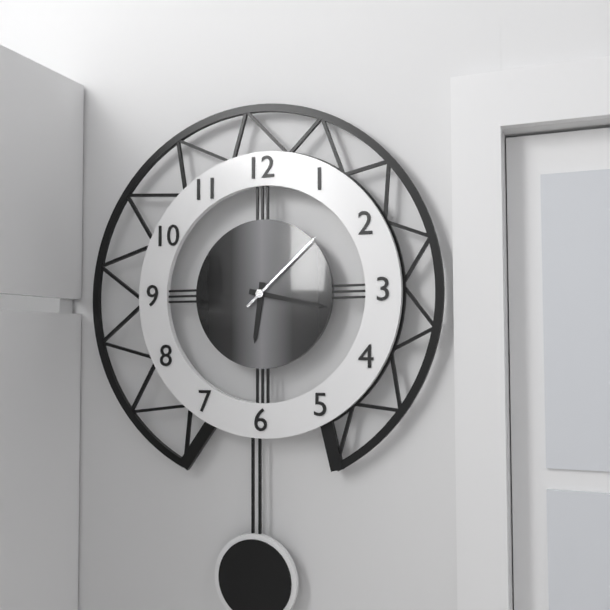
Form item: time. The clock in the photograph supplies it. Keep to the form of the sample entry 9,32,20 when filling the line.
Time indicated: 6,17,08
